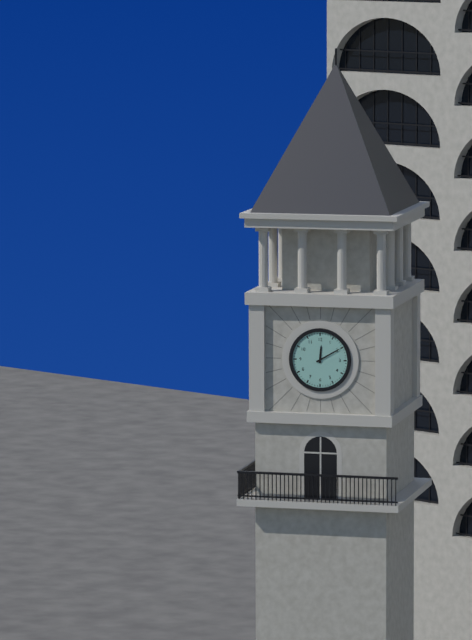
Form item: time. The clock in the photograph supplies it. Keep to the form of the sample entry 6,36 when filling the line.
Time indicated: 12,10
